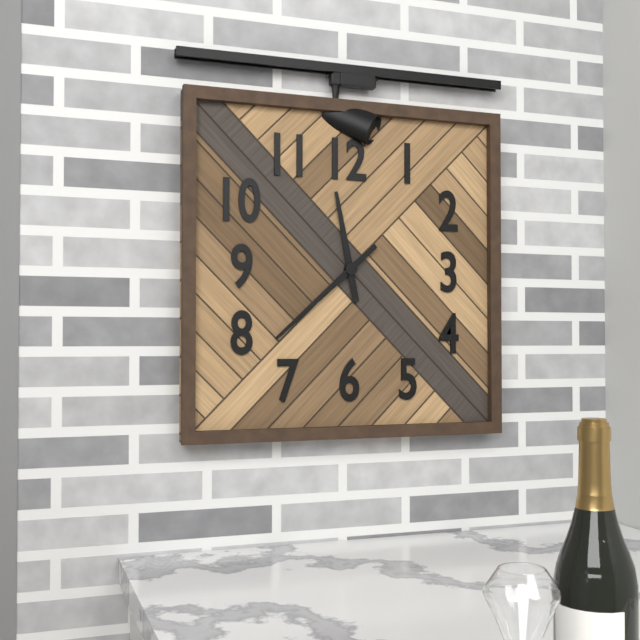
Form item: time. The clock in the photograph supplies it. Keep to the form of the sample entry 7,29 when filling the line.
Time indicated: 11,38
